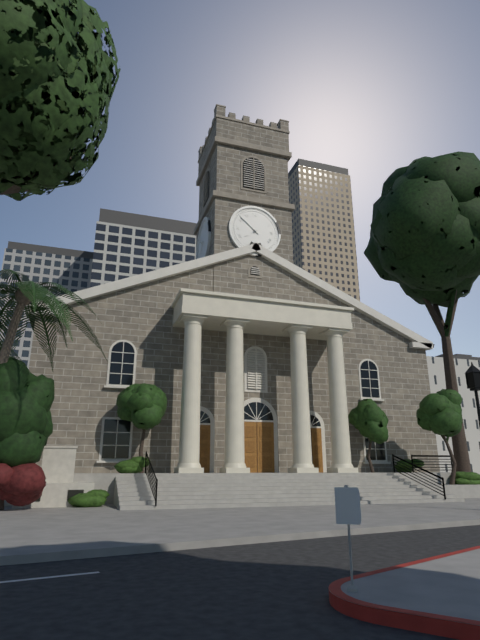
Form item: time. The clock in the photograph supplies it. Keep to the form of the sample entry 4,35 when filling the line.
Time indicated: 7,52
